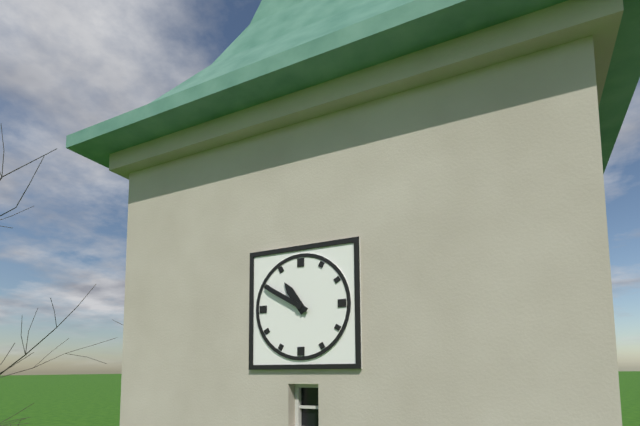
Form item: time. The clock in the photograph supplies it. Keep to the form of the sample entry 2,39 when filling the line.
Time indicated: 10,50
